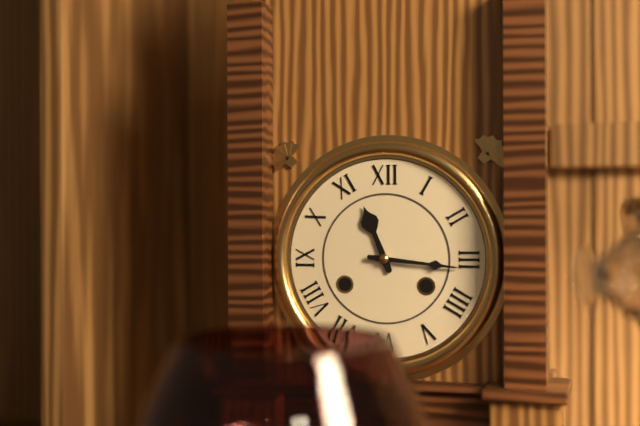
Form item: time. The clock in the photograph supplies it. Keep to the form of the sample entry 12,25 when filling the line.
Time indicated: 11,16
